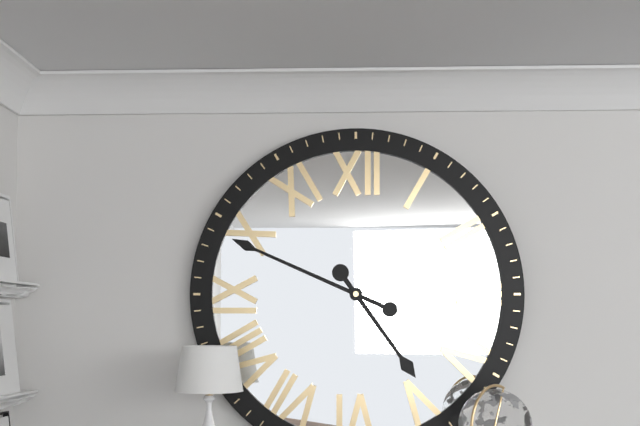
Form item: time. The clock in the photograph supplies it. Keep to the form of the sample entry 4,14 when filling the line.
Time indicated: 4,49
